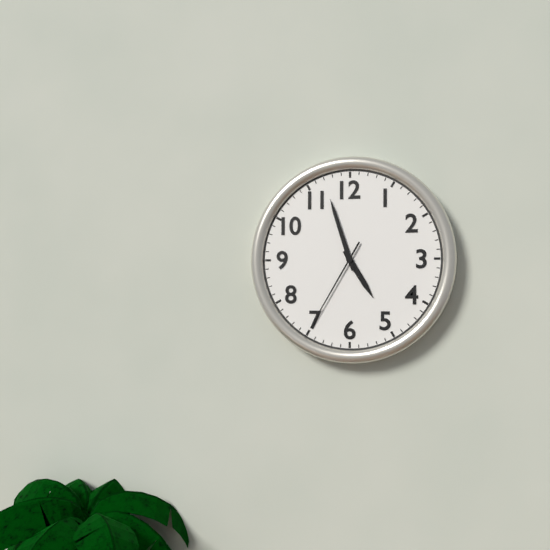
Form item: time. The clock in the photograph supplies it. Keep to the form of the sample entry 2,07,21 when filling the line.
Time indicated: 4,57,35
